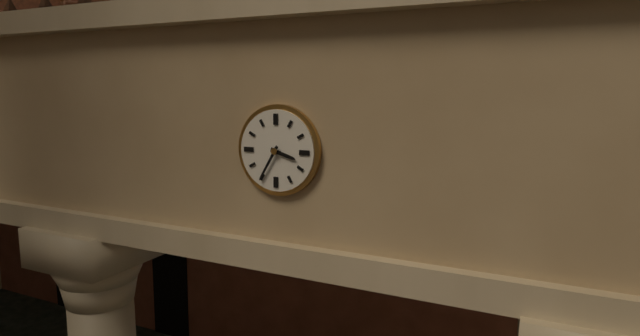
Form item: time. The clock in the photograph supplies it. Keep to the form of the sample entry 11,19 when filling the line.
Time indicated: 3,35
